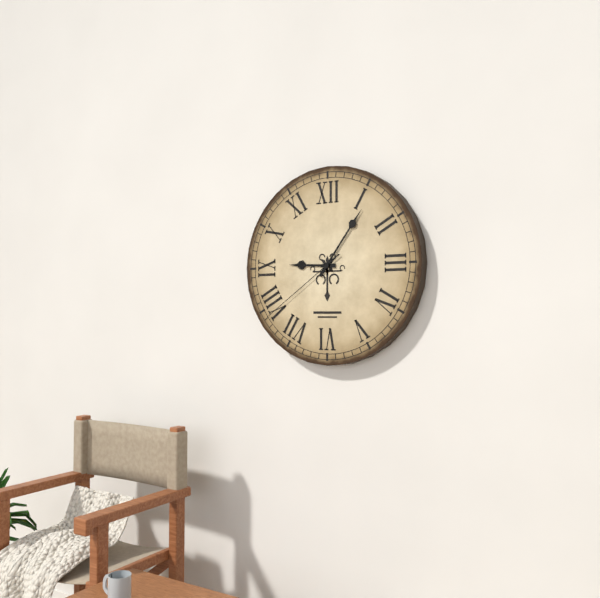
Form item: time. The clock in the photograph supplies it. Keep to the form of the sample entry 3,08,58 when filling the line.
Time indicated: 9,06,39
